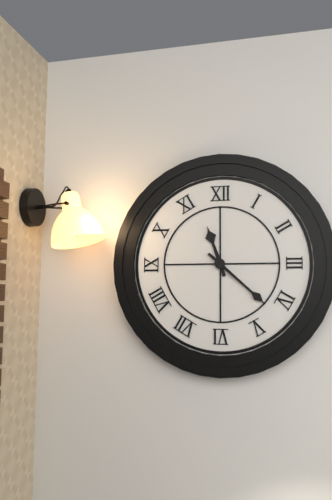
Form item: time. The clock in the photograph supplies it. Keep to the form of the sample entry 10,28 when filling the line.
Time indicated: 11,22
